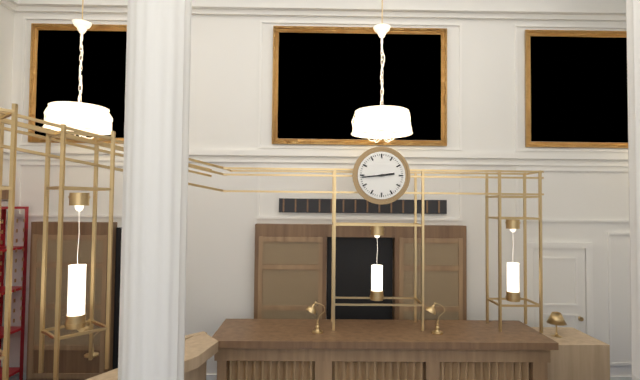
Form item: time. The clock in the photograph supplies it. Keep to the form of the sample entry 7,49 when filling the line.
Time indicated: 2,44
